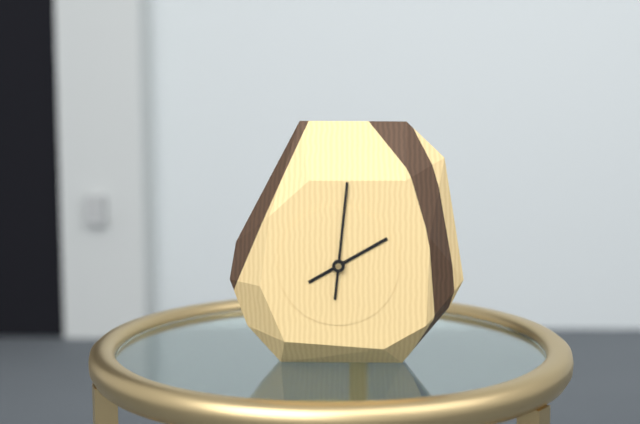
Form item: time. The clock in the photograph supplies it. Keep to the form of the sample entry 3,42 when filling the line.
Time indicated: 2,01
